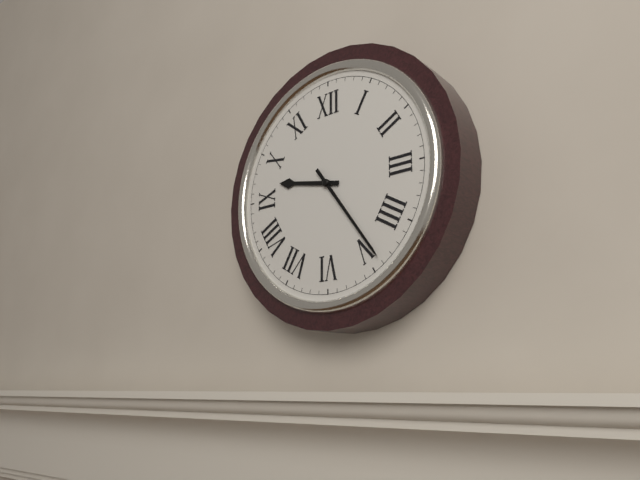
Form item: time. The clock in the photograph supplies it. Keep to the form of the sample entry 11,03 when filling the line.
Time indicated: 9,24
